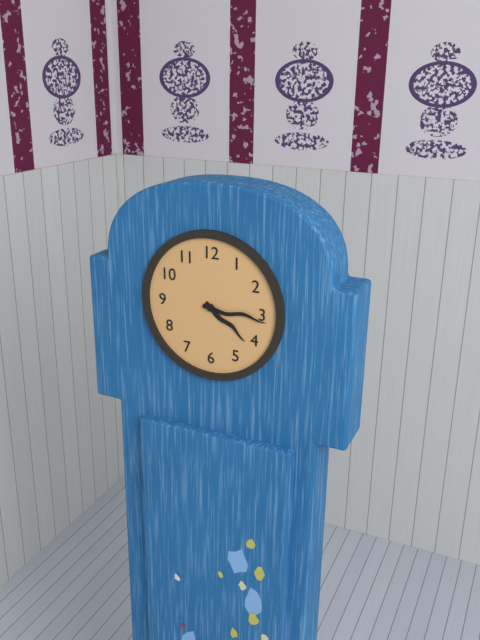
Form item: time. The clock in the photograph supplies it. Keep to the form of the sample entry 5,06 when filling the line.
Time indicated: 4,16
